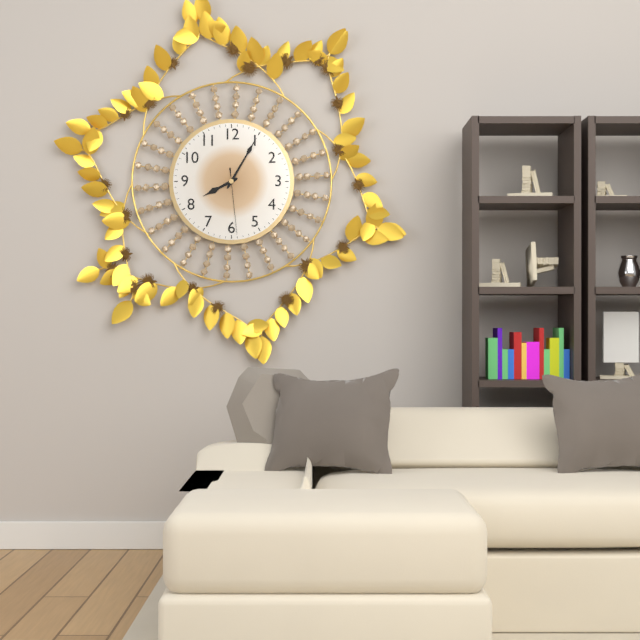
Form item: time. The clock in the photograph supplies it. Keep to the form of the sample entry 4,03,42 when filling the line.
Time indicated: 8,05,29
